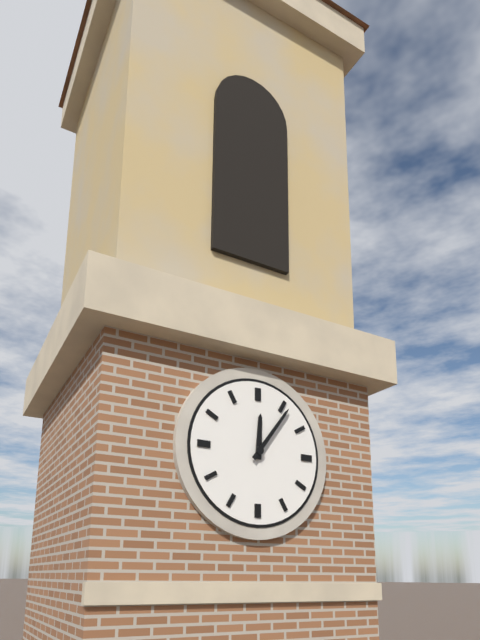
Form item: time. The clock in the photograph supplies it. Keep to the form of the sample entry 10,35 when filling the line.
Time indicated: 12,06
